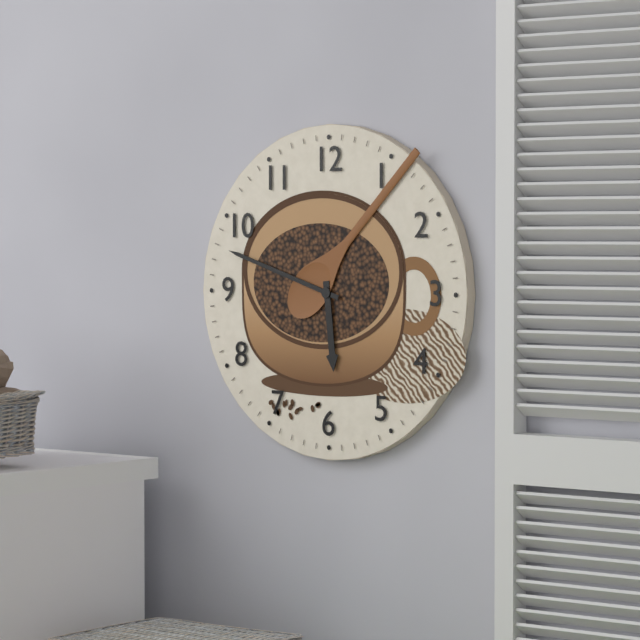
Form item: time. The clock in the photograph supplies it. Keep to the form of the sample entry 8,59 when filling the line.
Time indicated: 5,48
